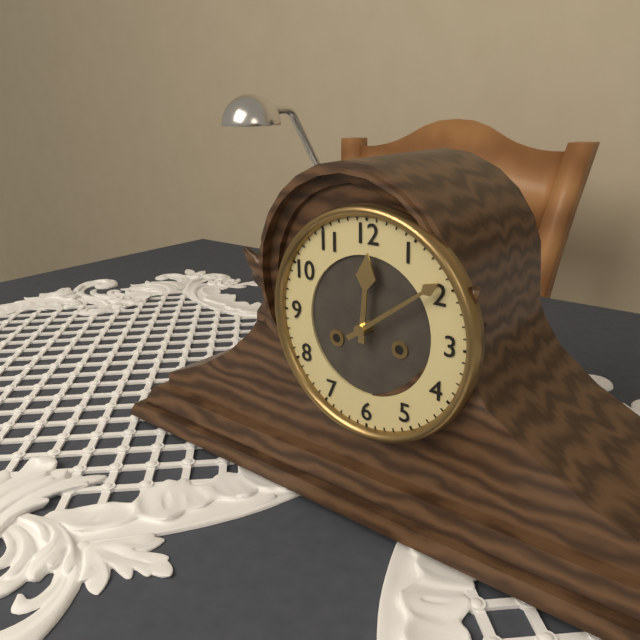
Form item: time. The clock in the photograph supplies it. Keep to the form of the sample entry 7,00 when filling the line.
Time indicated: 12,09
